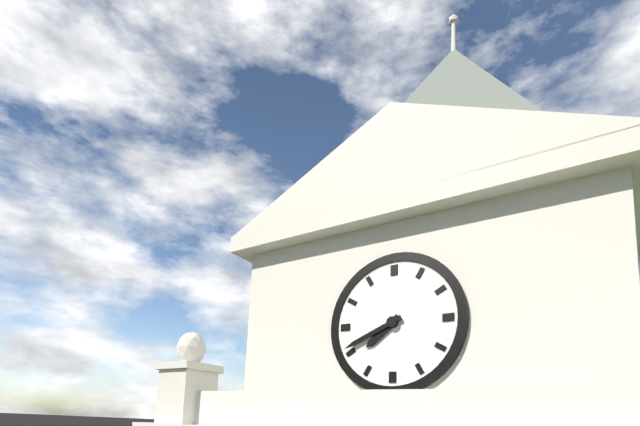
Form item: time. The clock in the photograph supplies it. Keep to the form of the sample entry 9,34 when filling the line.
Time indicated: 7,41
